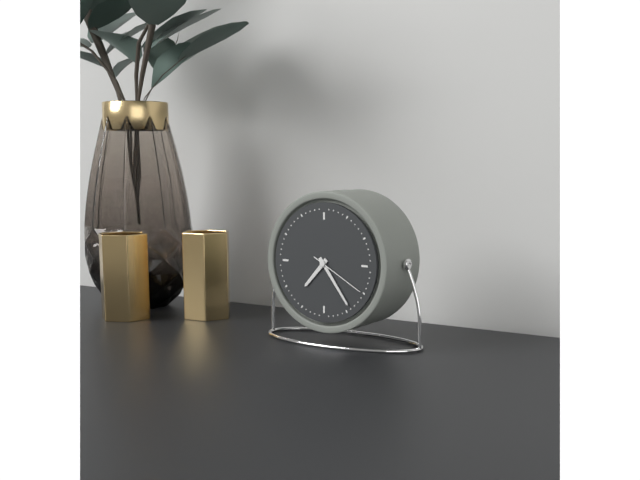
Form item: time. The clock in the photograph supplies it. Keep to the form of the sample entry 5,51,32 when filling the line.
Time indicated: 7,24,20
